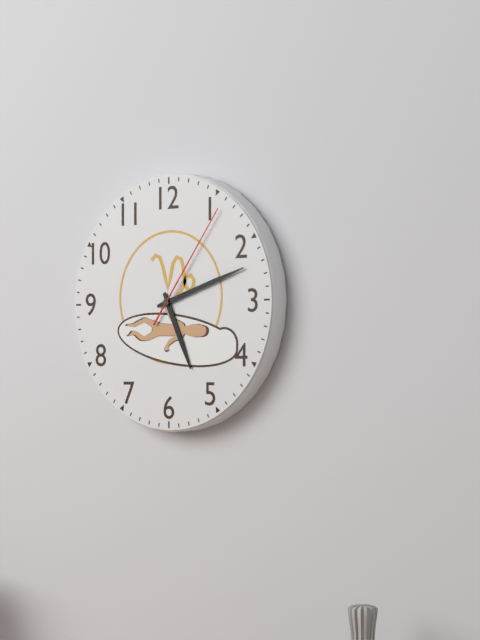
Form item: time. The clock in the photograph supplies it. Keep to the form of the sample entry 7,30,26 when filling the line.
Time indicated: 5,12,06
